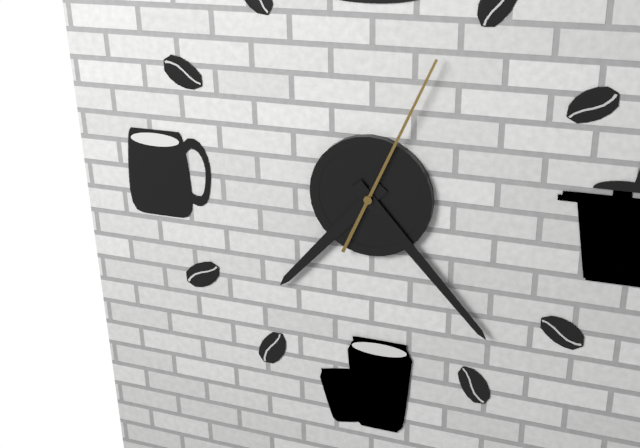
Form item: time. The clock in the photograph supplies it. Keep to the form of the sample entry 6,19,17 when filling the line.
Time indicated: 7,23,04
